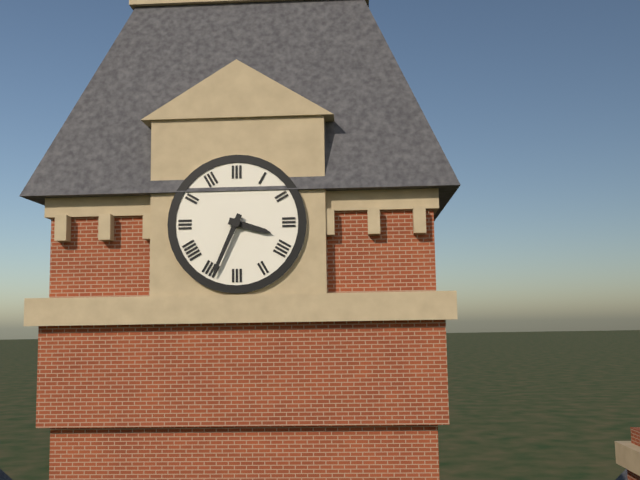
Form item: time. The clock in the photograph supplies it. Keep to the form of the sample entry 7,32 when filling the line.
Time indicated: 3,34
